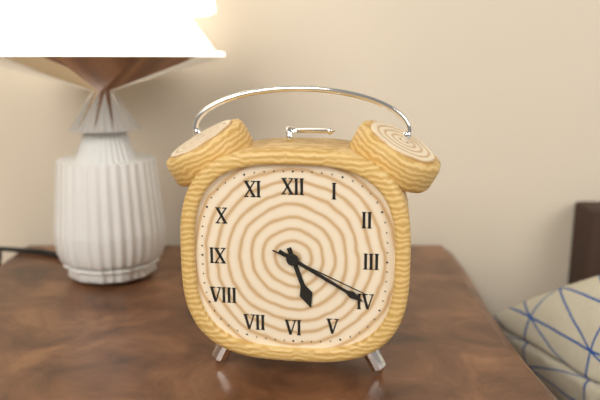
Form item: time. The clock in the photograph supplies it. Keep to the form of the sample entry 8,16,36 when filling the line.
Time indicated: 5,20,19
